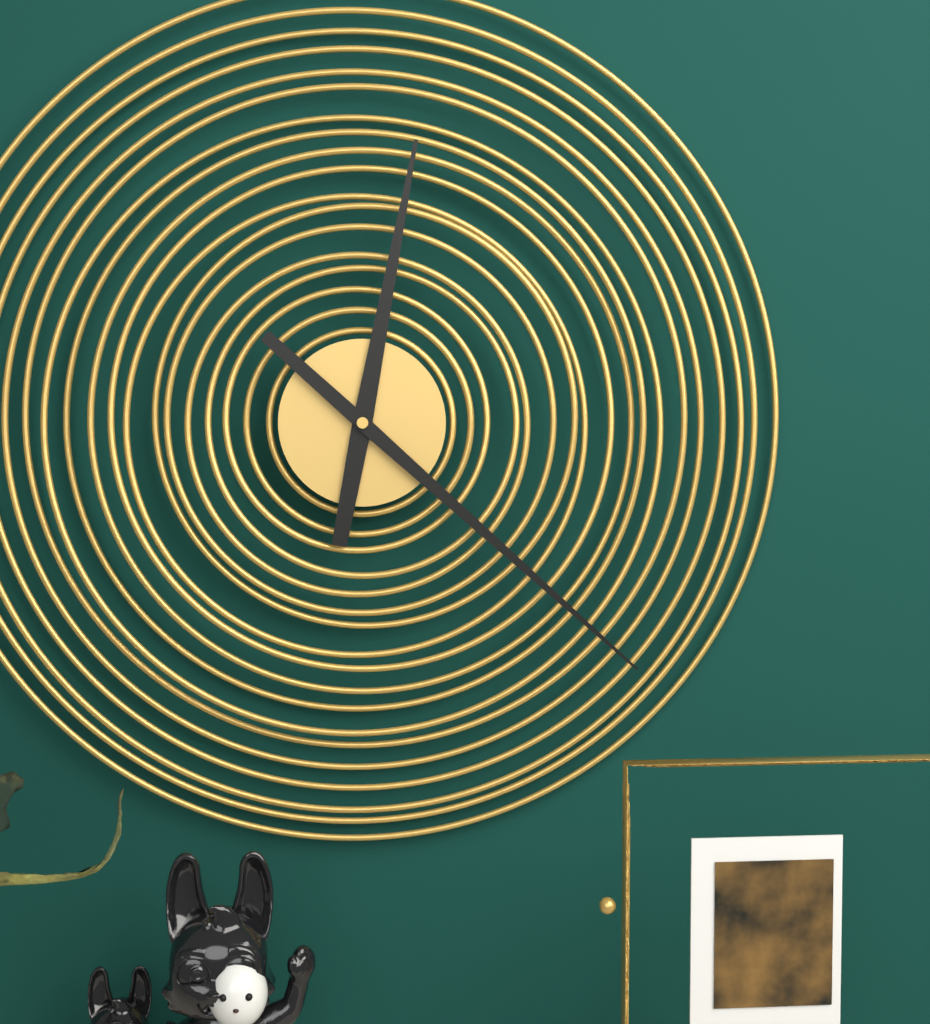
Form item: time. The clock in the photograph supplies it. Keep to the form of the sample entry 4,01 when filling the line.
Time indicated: 12,22
